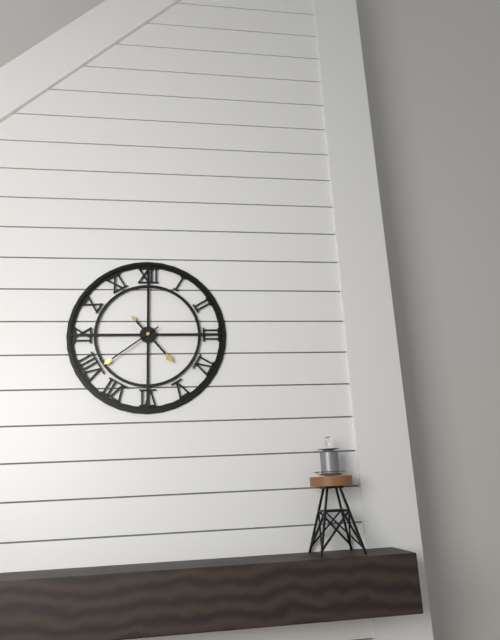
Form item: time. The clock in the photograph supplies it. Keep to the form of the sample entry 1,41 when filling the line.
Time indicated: 4,39
